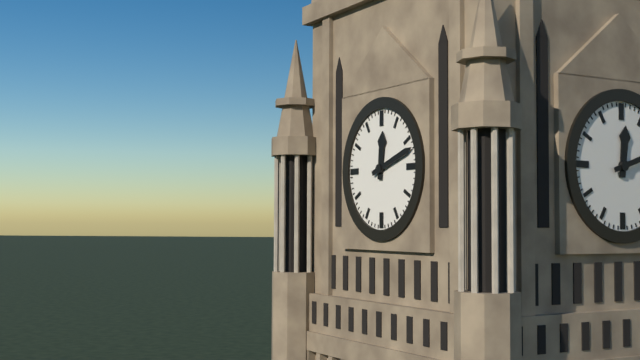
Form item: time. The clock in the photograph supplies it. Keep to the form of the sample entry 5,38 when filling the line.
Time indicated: 12,12
